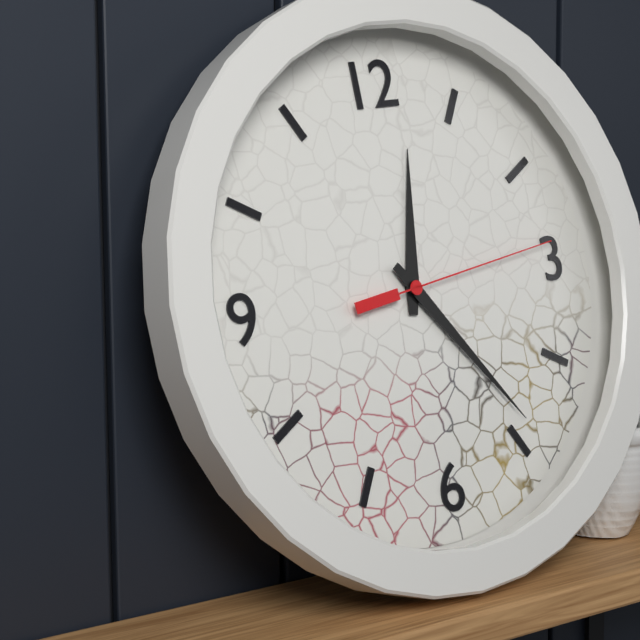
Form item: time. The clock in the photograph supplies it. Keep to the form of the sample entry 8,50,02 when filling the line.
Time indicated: 12,24,14
